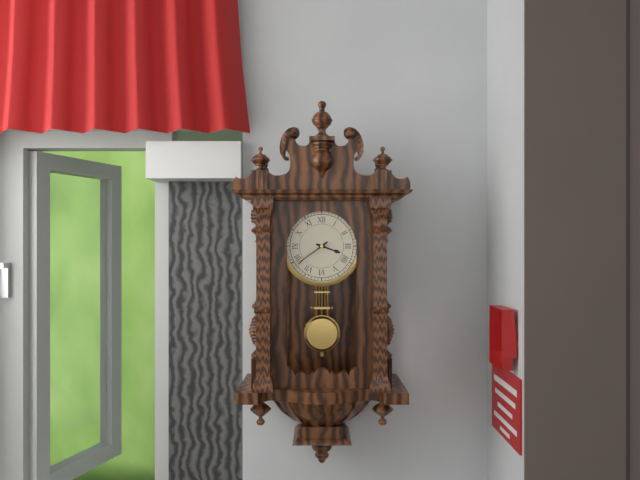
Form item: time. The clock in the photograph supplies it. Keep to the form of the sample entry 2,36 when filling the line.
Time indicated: 3,39
